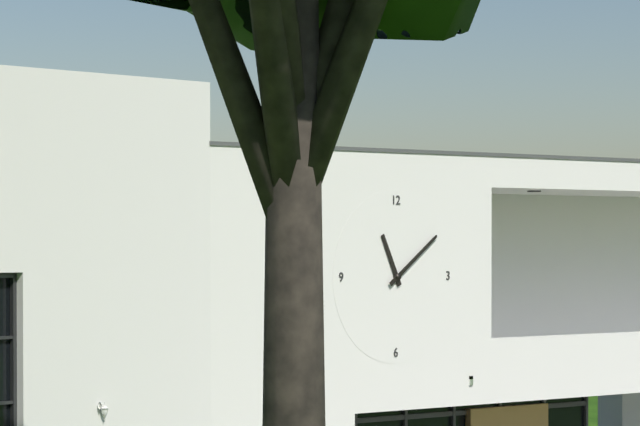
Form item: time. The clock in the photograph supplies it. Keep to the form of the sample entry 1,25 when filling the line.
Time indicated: 11,09
